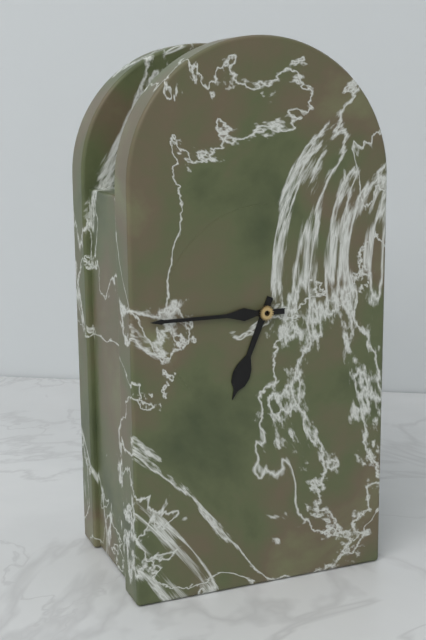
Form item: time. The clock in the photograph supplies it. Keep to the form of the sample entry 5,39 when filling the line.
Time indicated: 6,45
